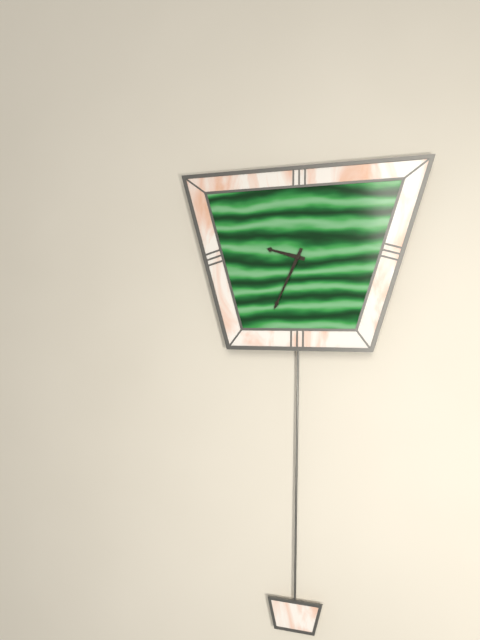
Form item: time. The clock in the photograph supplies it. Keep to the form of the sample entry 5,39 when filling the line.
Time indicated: 9,34
